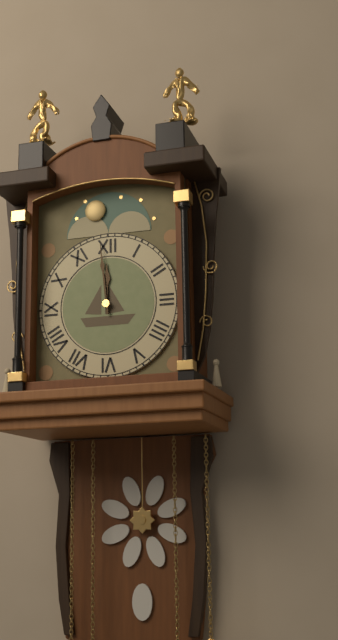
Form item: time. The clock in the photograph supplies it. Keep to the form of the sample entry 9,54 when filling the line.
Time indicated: 11,59
